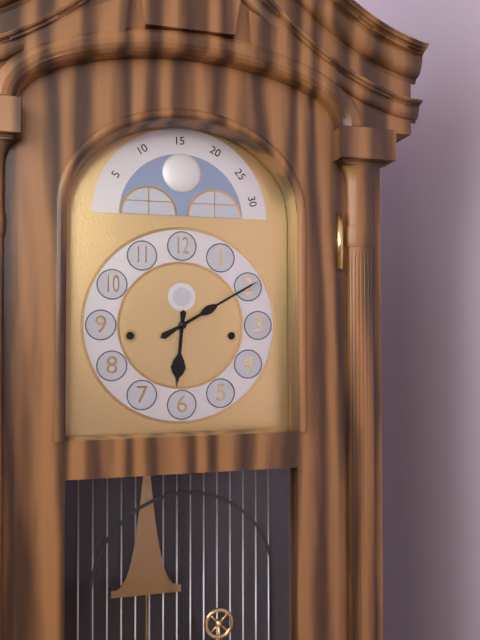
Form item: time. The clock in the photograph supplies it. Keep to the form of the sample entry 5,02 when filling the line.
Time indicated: 6,10
